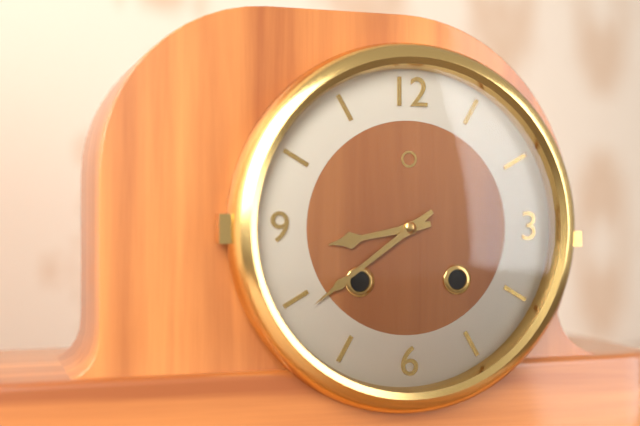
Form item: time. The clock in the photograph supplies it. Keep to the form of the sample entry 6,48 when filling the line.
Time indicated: 8,39
